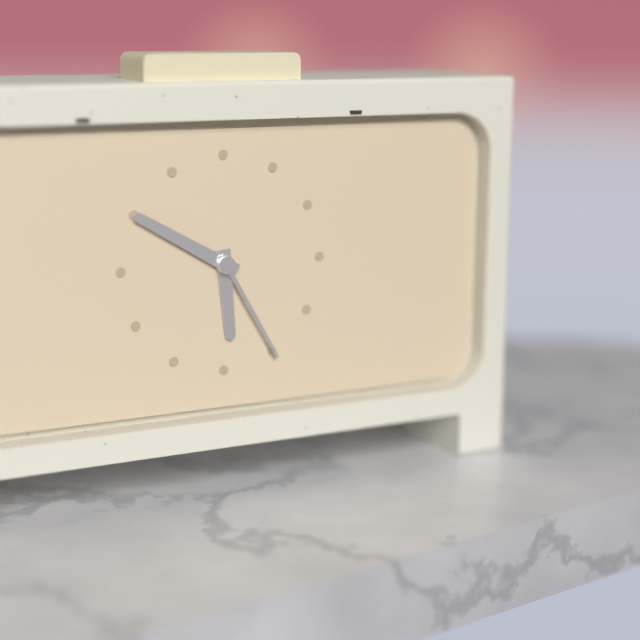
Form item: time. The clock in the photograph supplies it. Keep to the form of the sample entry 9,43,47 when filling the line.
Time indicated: 5,50,25
